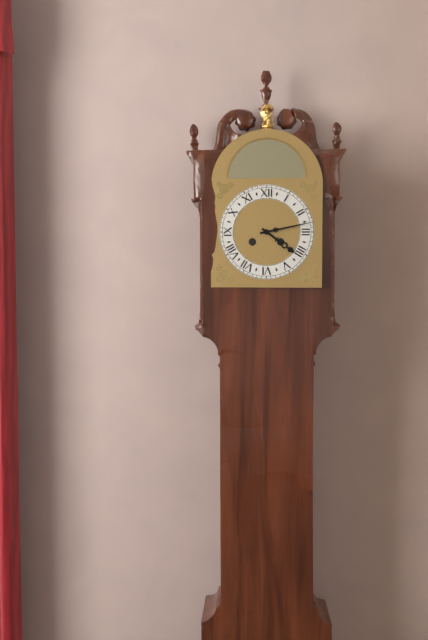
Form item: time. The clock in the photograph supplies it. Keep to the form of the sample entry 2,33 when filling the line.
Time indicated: 4,13
